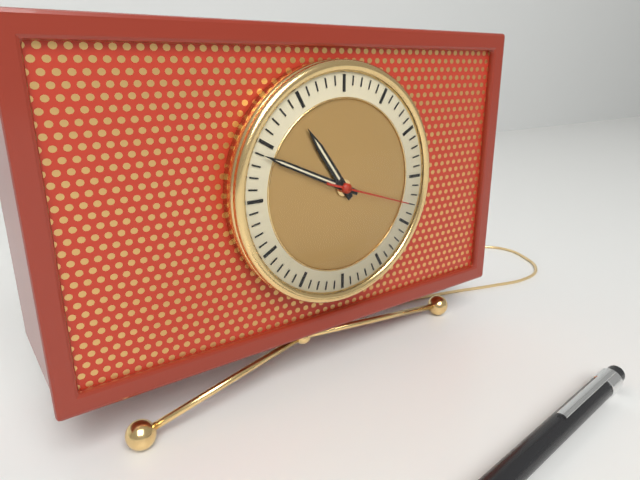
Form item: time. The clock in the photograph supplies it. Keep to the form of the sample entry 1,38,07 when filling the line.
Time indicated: 10,49,18
